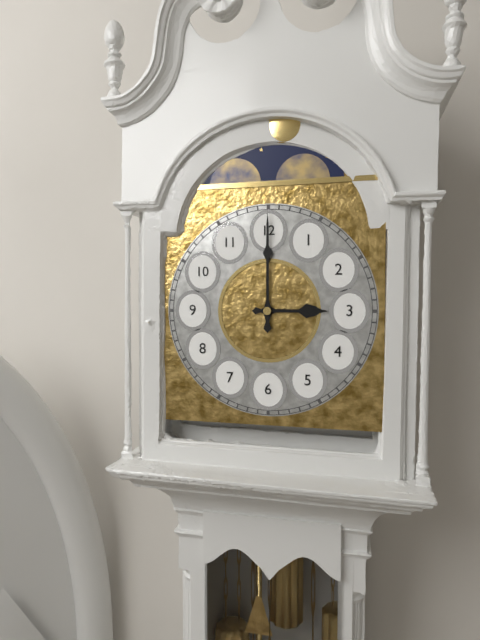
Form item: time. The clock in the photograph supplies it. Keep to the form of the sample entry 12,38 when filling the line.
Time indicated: 3,00
